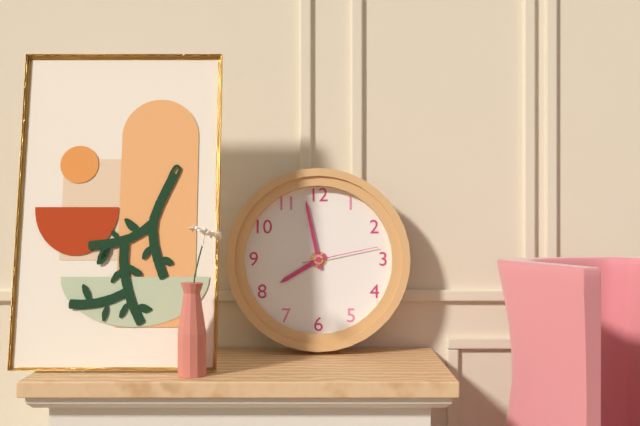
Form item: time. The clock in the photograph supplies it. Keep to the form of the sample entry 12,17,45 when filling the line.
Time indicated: 7,58,13
